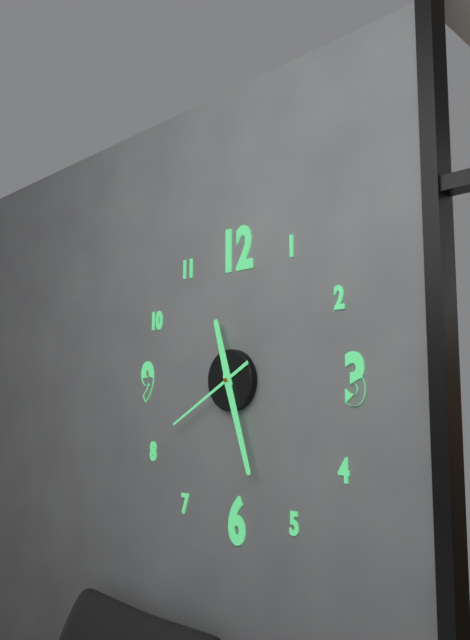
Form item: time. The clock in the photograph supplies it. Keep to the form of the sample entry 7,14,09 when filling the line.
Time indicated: 11,27,40
